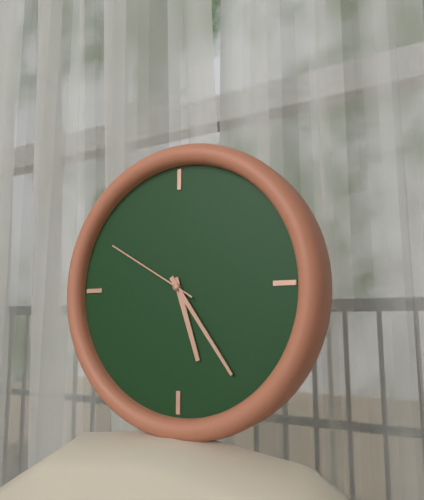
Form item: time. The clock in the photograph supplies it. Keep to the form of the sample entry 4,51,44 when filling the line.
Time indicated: 5,24,50
